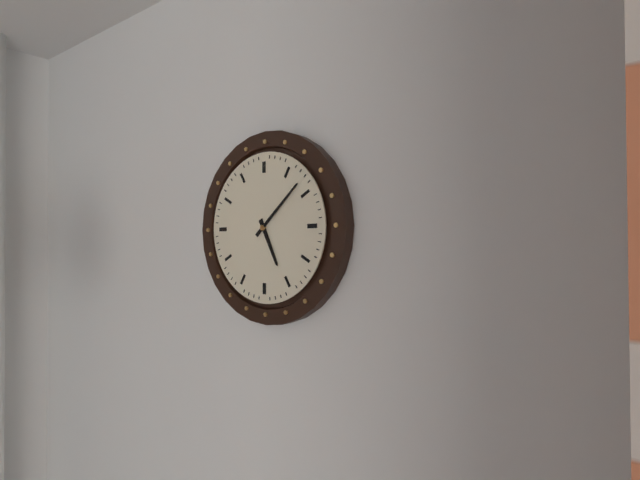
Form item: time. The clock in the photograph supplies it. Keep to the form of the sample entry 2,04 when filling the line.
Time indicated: 5,08
